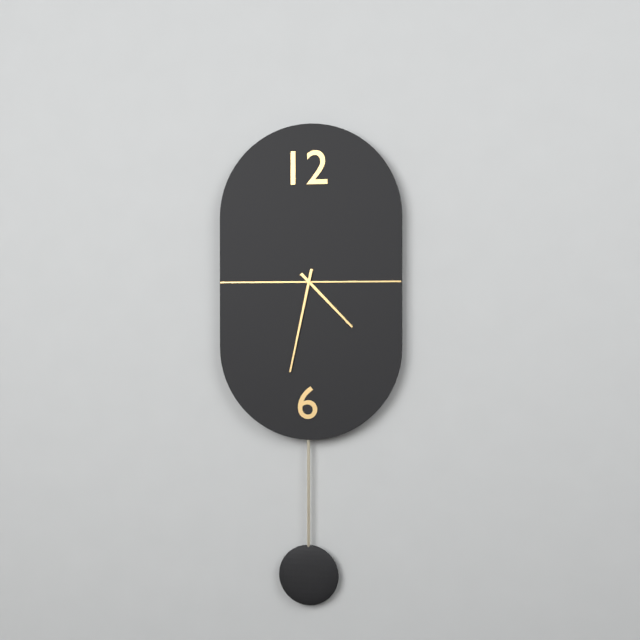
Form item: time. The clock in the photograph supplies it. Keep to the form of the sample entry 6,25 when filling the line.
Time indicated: 4,32
